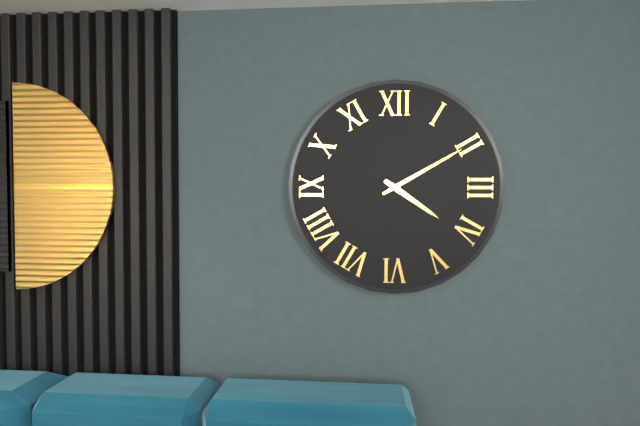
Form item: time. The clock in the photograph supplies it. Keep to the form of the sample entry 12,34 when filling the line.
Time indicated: 4,10
